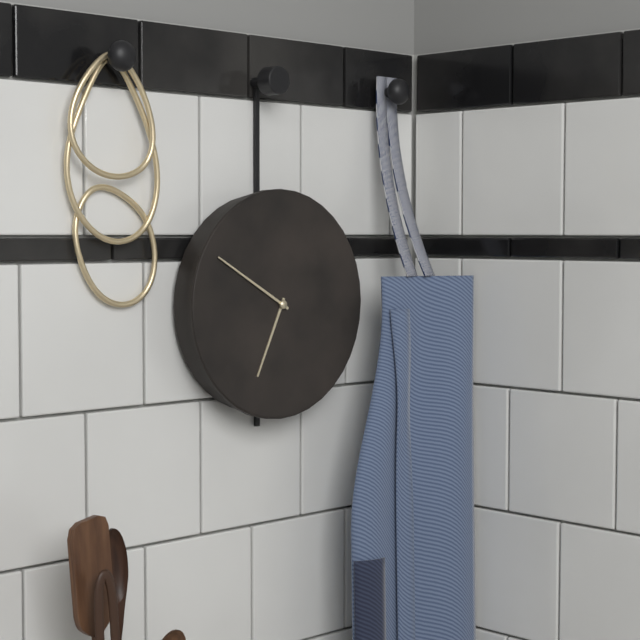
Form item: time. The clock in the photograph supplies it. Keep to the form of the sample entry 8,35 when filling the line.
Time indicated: 6,50
